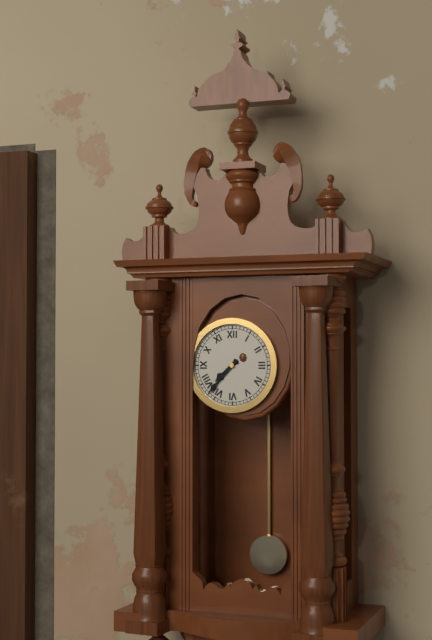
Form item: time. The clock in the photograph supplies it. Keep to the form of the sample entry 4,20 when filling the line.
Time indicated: 7,37
